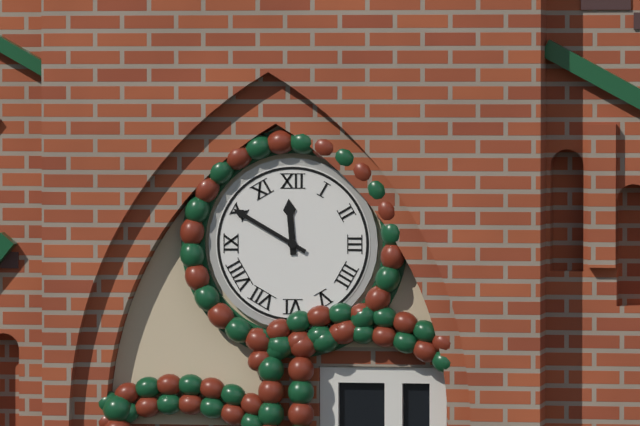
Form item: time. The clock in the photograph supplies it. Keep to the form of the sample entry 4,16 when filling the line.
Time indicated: 11,50
